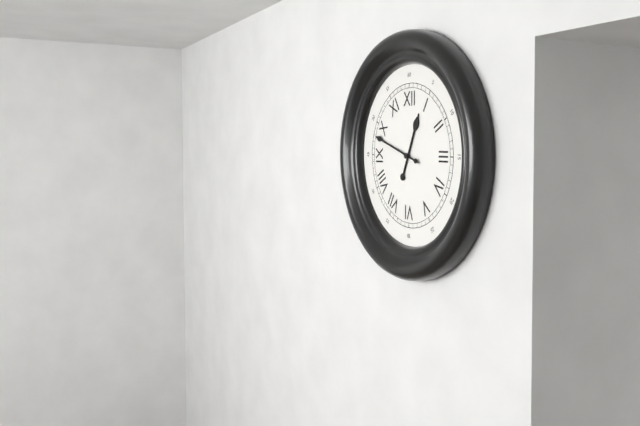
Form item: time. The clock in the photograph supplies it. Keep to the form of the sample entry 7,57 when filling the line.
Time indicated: 12,48
